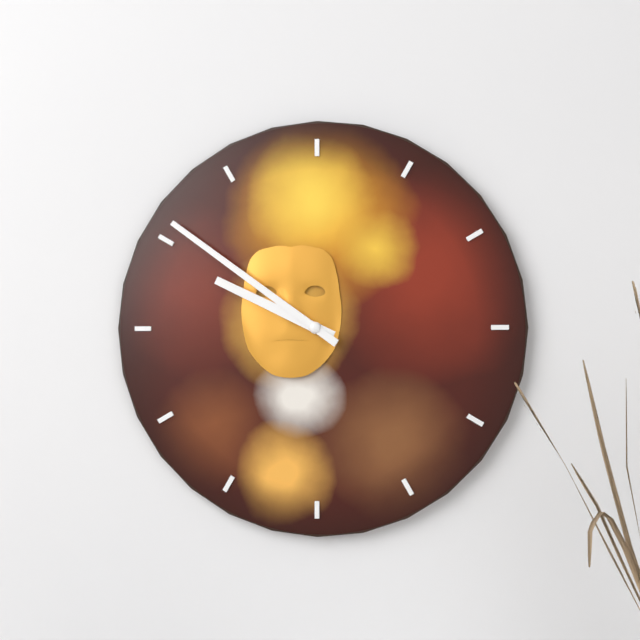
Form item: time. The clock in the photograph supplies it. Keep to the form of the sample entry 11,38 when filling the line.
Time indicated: 9,51
